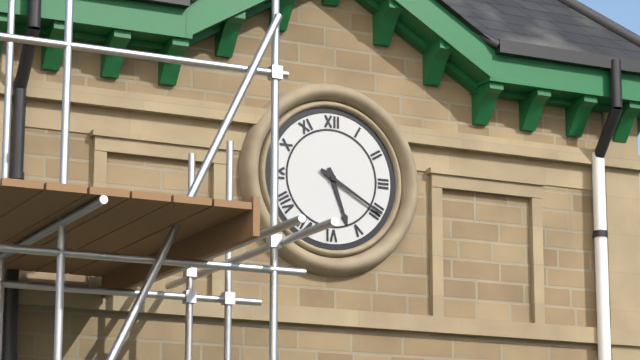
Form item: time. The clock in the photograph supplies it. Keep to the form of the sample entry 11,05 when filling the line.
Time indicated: 5,20
